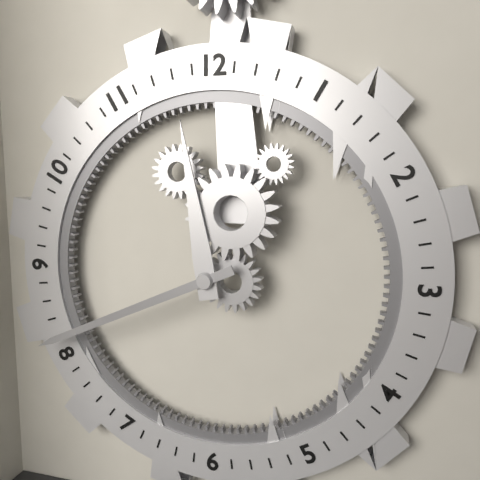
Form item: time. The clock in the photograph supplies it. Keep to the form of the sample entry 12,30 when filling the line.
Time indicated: 11,41
